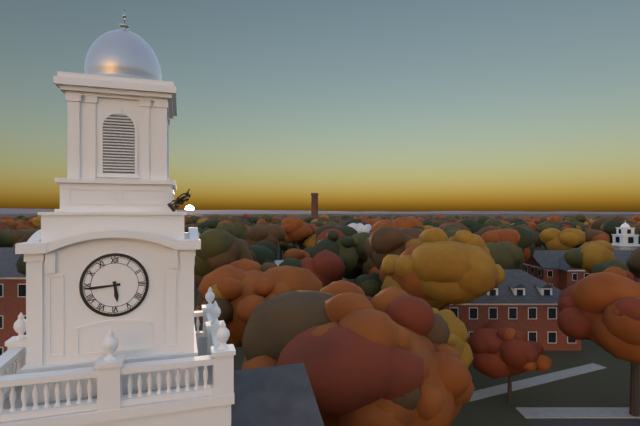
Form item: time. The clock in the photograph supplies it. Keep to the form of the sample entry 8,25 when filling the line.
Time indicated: 5,44
